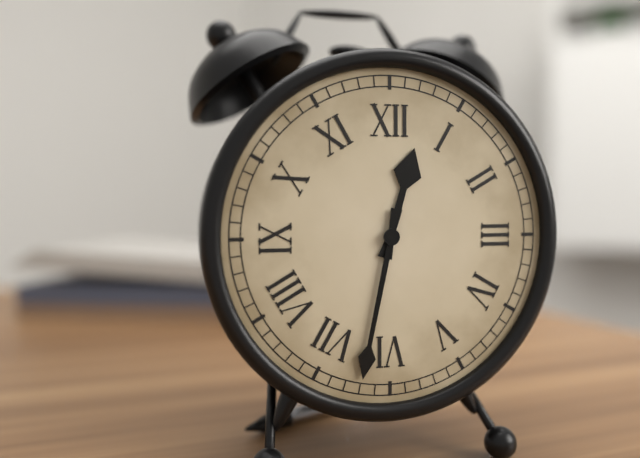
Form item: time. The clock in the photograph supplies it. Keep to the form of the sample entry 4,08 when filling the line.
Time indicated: 12,32
